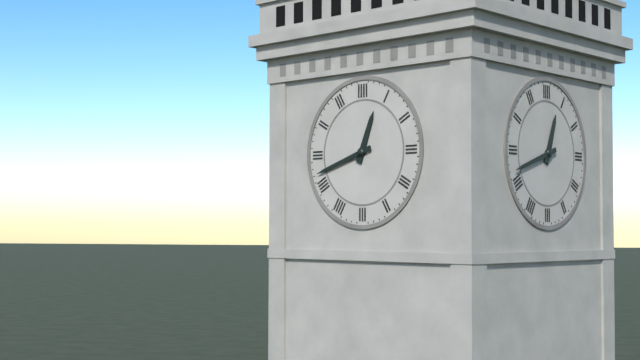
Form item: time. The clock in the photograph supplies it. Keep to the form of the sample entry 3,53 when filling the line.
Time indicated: 12,42
